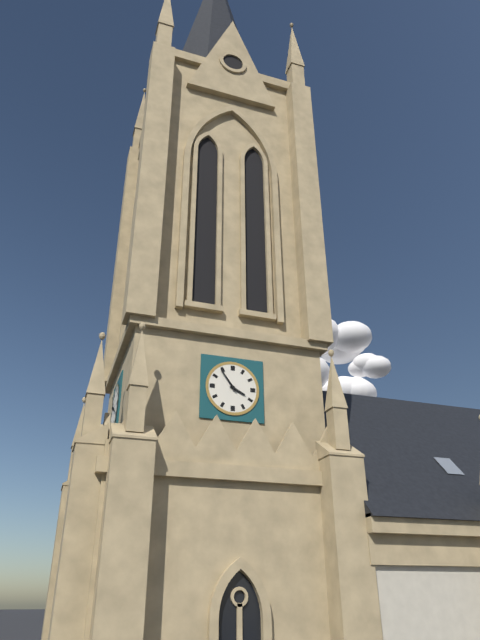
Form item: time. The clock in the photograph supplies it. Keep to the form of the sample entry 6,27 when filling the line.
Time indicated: 3,54
